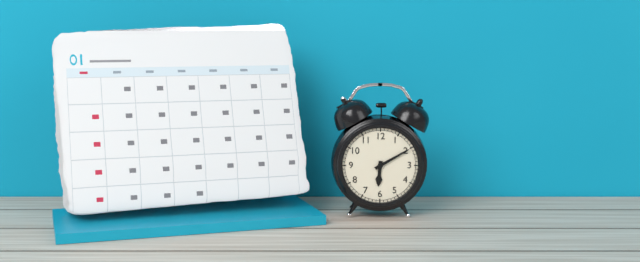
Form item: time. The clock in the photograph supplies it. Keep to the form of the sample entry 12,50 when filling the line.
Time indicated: 6,10
